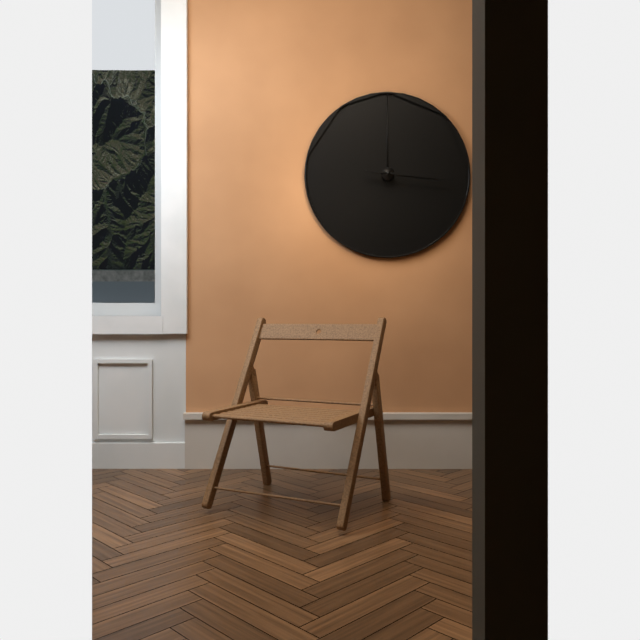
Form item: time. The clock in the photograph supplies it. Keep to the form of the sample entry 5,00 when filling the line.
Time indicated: 3,16
